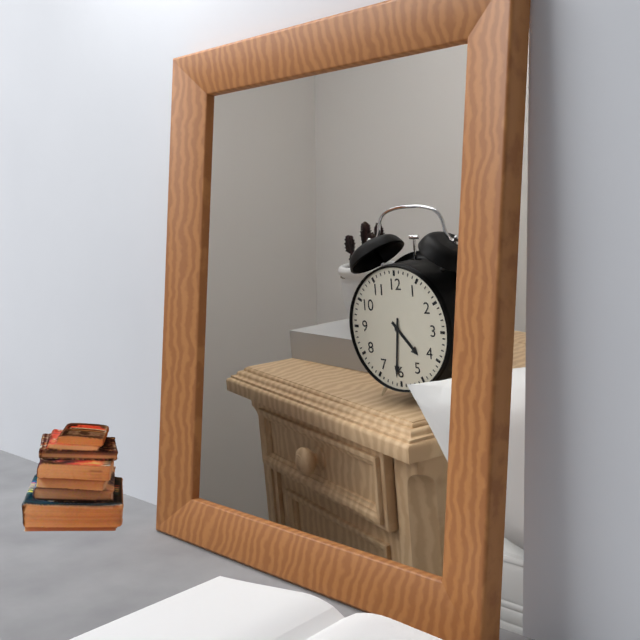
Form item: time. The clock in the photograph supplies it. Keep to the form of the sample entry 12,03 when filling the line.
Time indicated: 4,31
